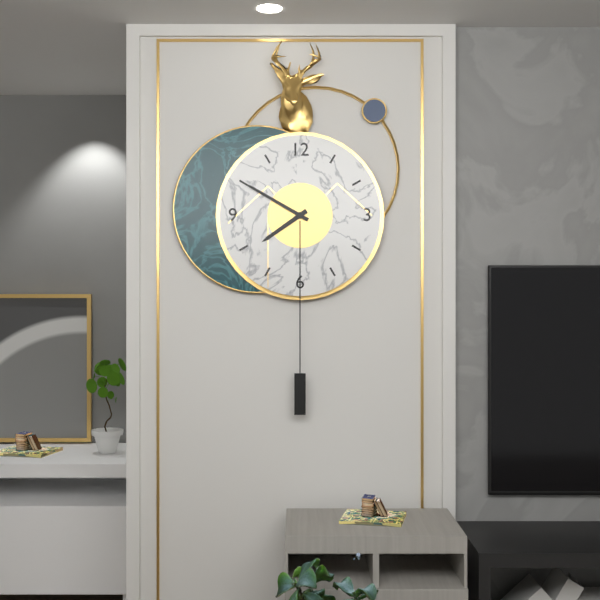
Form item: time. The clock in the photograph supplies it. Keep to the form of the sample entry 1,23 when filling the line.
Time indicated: 7,50
